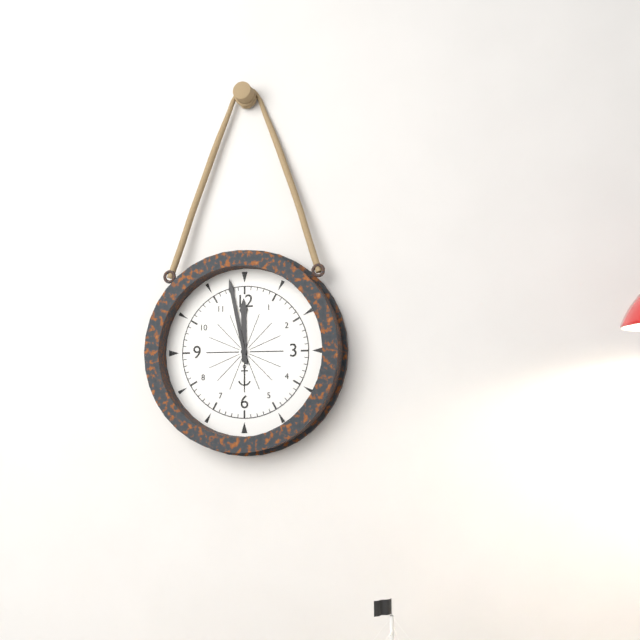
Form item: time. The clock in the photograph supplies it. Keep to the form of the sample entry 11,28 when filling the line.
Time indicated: 11,58
